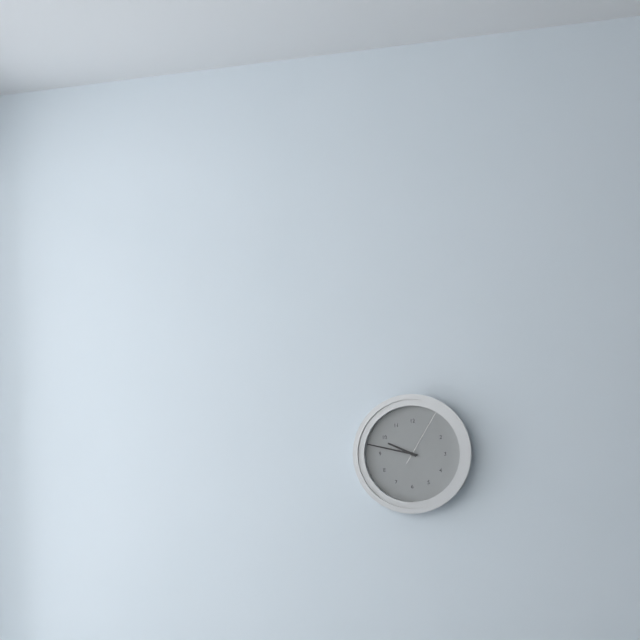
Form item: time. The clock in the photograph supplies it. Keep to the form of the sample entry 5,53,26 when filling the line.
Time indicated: 9,47,05
